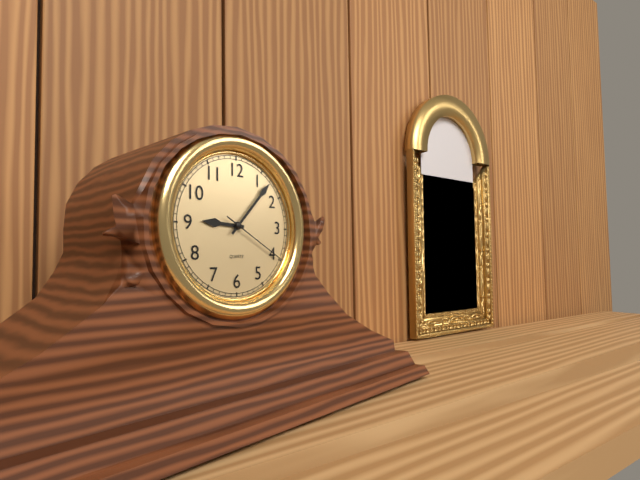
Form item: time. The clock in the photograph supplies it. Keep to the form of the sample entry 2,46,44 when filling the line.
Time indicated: 9,07,20
